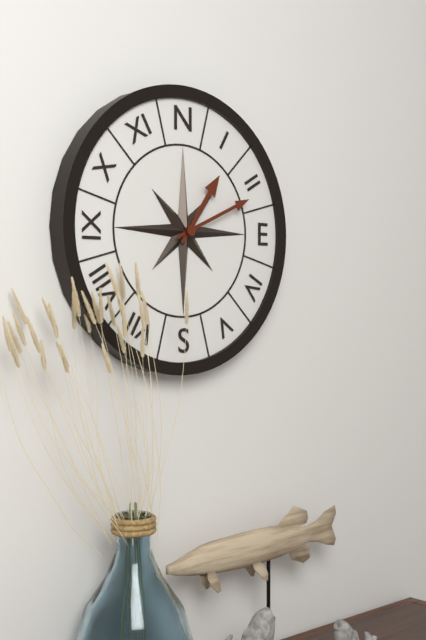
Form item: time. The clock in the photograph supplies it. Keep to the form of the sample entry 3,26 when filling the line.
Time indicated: 1,11
